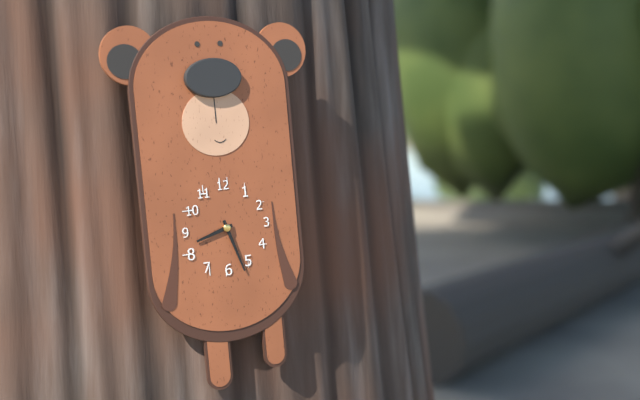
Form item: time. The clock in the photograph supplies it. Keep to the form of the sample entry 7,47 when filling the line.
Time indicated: 8,27
